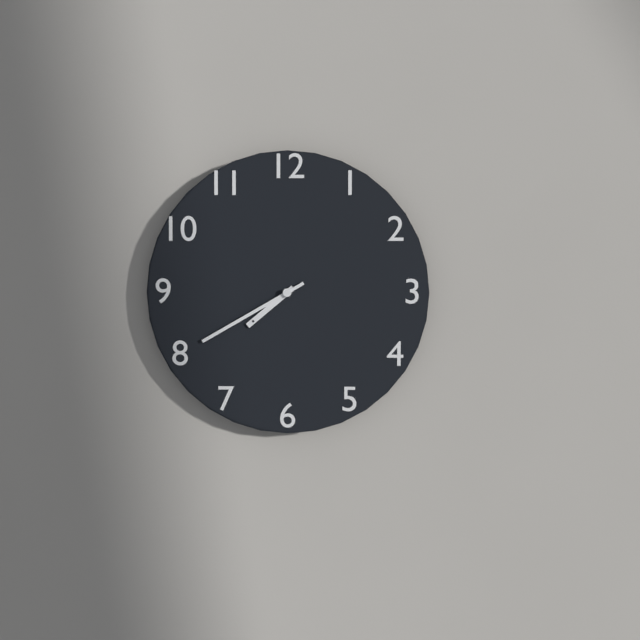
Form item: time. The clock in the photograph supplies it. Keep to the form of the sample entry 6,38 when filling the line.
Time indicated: 7,40
